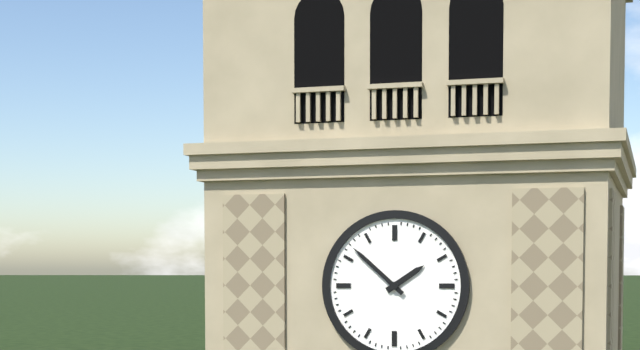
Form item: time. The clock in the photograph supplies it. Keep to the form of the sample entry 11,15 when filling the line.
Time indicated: 1,52
